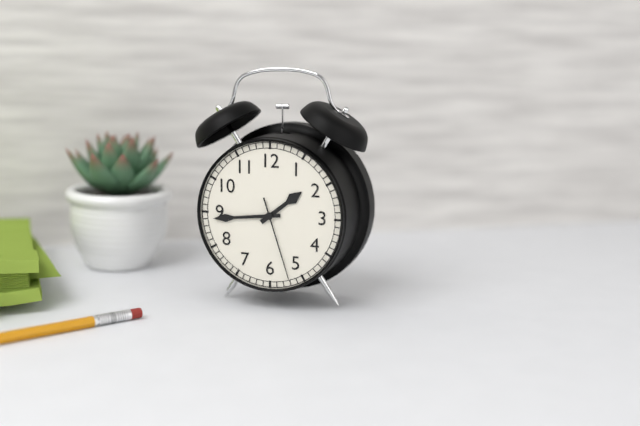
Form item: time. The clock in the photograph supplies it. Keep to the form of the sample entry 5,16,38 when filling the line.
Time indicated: 1,44,27
